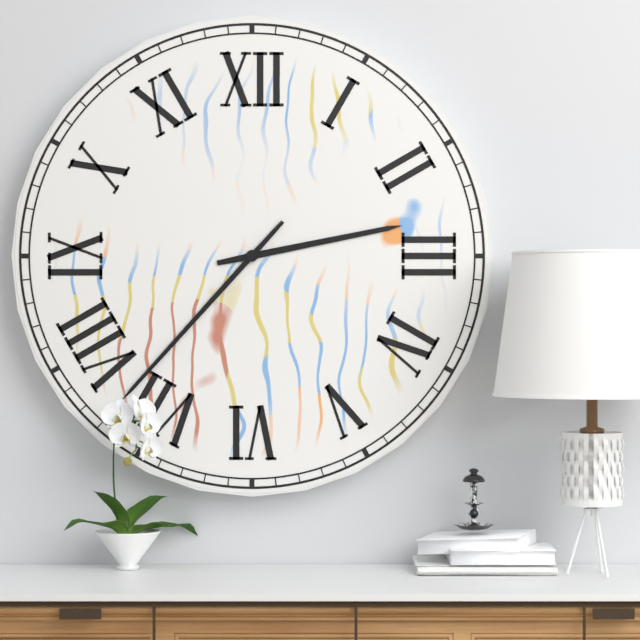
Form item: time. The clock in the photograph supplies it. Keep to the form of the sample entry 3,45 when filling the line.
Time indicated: 2,37
